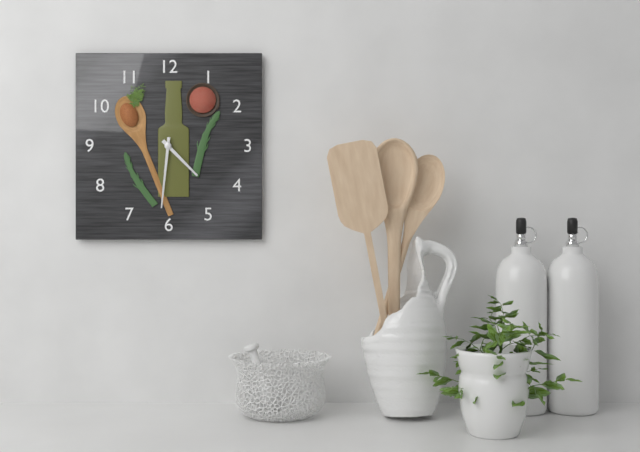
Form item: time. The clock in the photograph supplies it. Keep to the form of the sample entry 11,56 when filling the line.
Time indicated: 4,31
